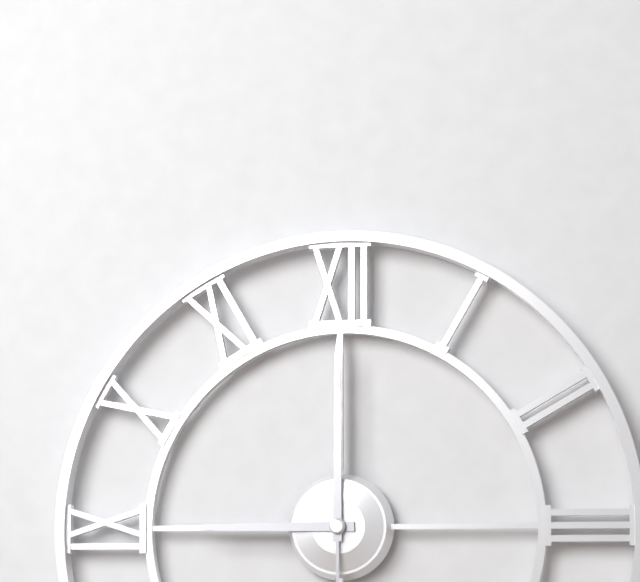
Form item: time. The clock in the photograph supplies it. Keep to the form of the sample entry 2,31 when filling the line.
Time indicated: 9,00
